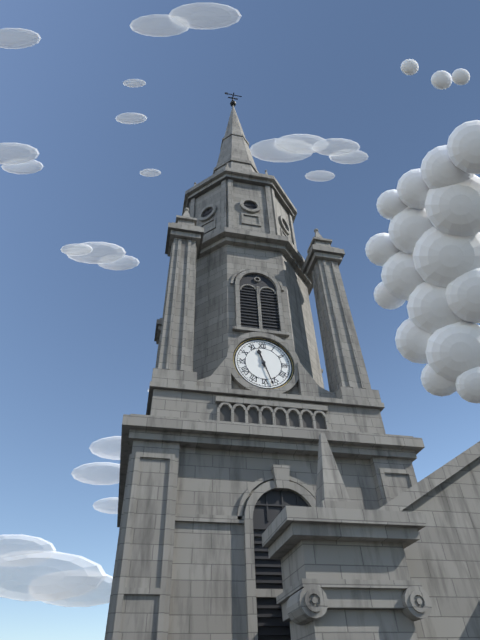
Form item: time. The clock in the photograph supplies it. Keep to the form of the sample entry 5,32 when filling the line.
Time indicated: 11,27
